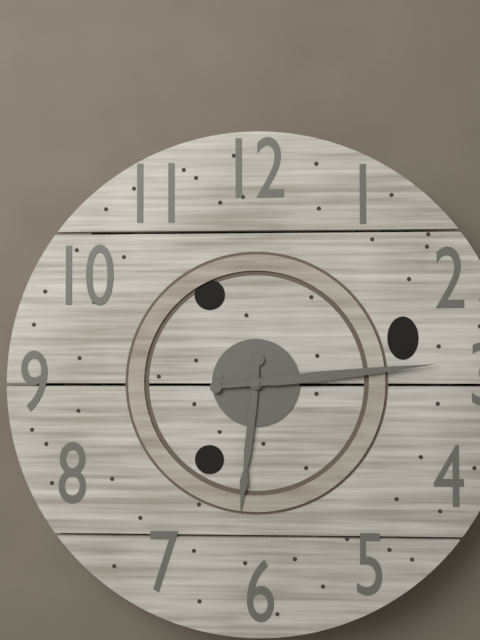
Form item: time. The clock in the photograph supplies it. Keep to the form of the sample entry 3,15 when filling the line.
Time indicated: 6,14
